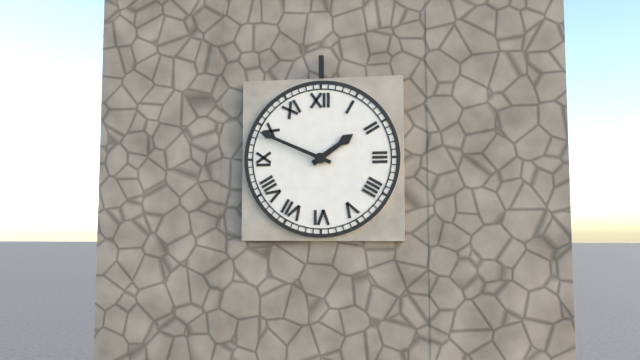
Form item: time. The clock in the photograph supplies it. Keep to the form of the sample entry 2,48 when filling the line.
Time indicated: 1,49
